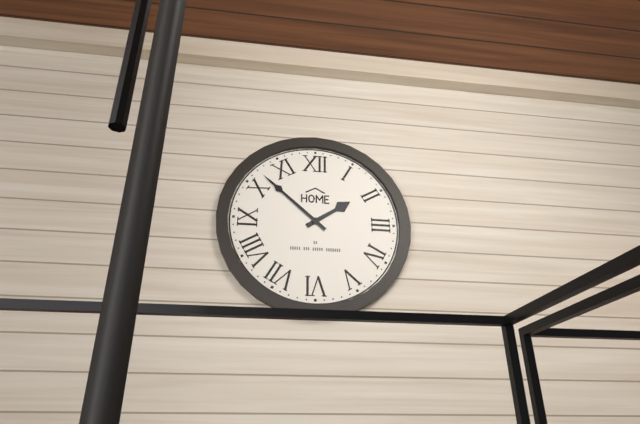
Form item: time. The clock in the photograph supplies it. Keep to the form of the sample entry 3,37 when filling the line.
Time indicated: 1,52
